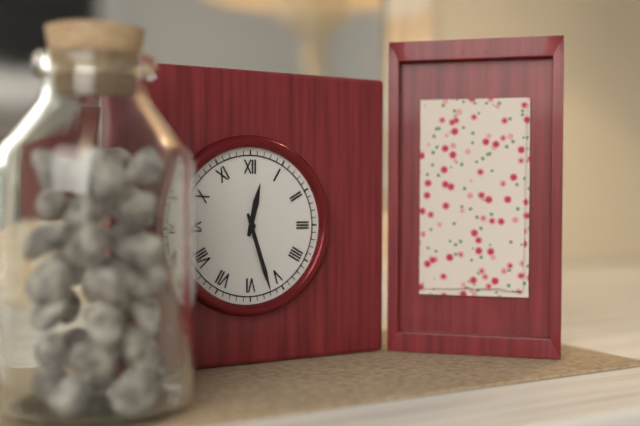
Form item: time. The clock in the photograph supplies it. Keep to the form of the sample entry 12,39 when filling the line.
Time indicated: 12,27
